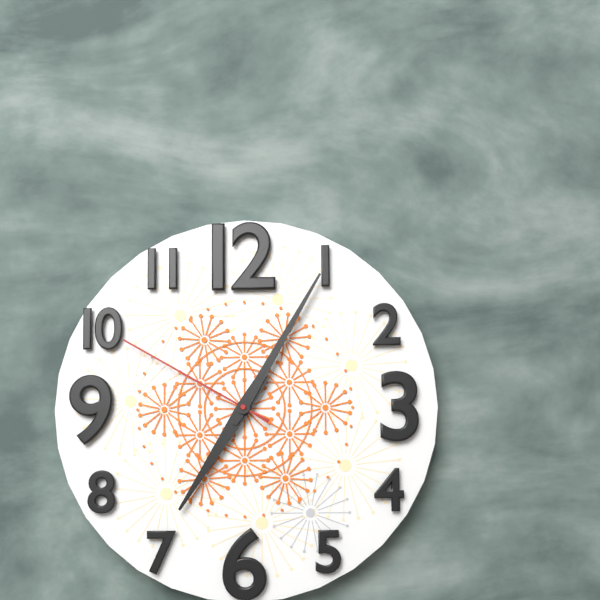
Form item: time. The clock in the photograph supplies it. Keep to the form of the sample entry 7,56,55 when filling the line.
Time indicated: 7,05,50
